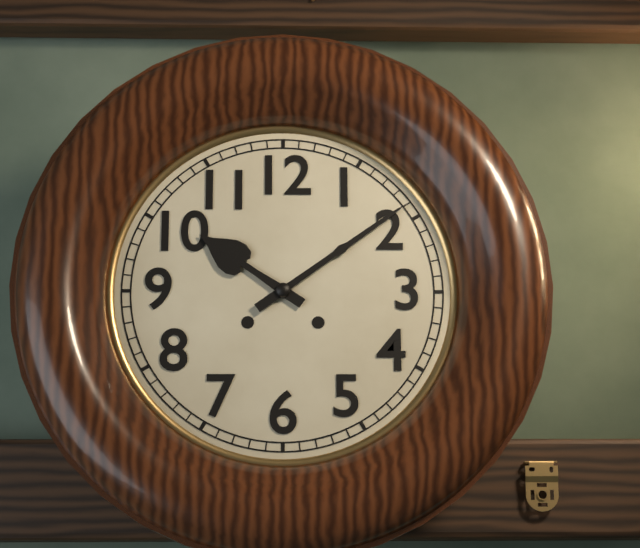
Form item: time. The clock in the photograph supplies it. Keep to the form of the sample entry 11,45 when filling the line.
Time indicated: 10,09
